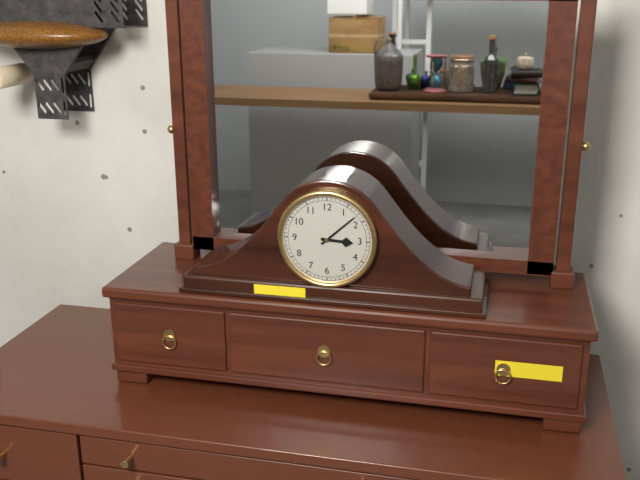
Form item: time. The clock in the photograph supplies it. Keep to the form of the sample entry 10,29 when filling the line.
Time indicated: 3,08
